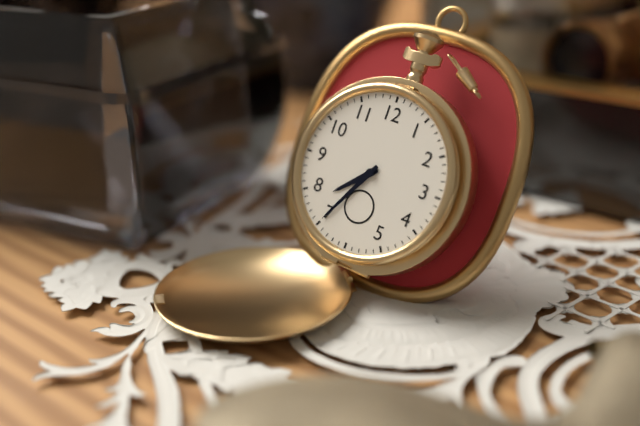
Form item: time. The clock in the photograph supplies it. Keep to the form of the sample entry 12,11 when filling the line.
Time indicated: 7,35
